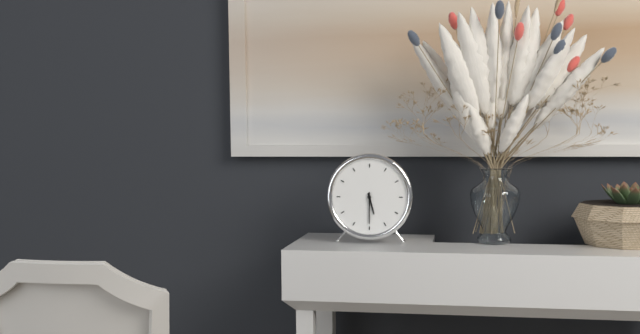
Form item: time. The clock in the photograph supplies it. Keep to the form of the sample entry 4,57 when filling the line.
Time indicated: 5,30
